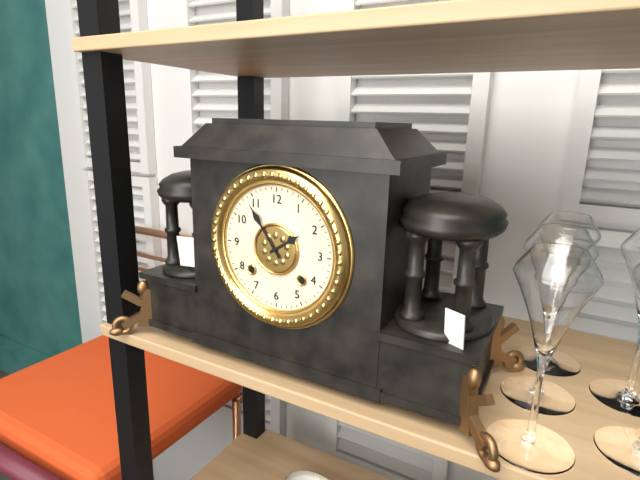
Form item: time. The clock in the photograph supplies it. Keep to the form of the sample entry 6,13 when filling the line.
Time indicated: 1,54
